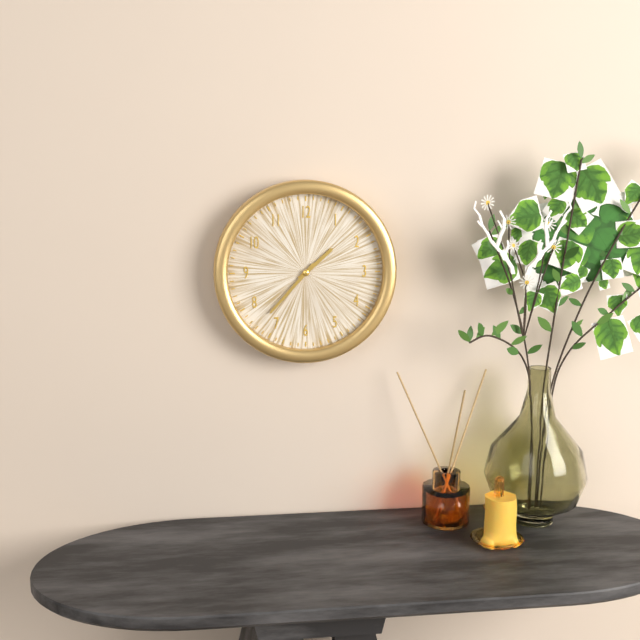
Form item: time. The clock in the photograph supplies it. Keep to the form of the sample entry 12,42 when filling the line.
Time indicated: 1,37
